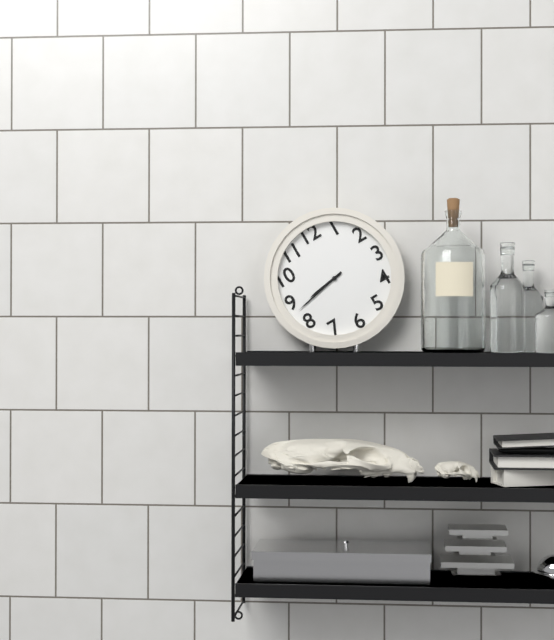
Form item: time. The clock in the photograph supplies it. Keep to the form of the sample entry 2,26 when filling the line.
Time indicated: 8,43
